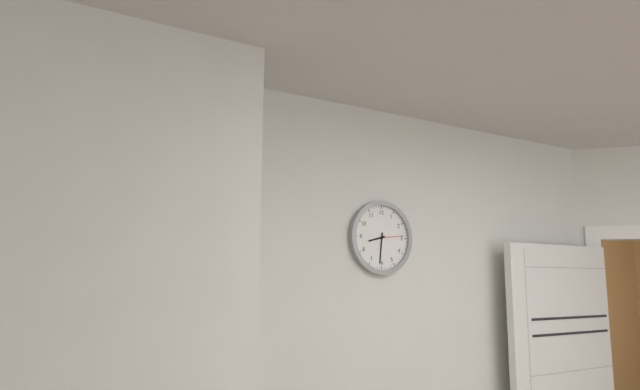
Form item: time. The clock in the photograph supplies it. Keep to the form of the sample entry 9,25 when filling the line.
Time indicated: 8,31
